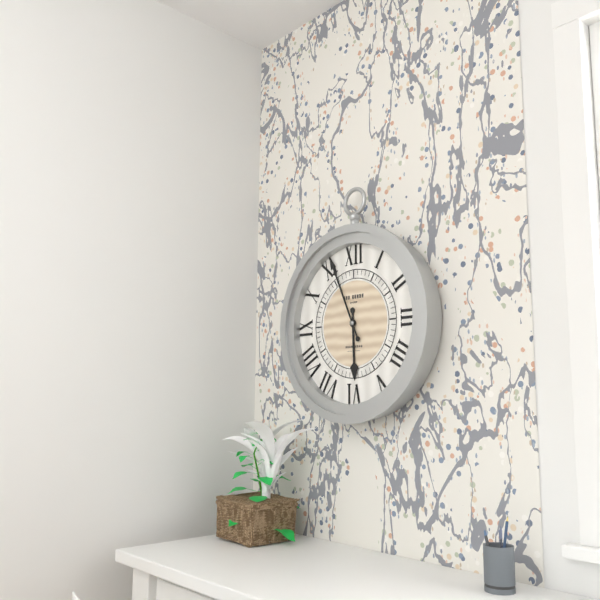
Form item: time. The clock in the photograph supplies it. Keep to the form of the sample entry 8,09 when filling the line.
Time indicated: 5,56
